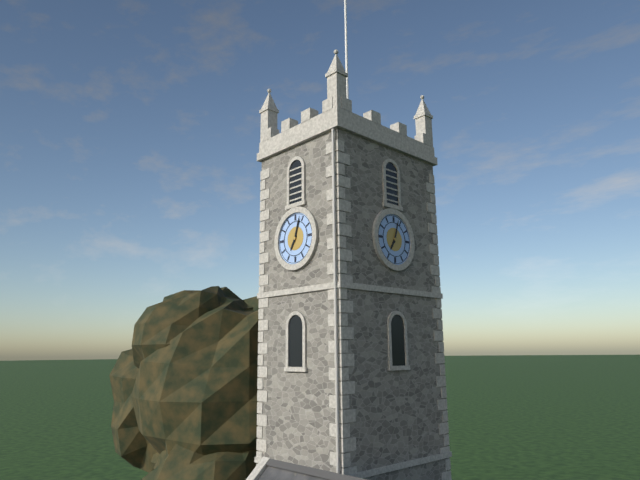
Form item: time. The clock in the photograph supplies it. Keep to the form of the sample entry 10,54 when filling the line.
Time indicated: 7,03
